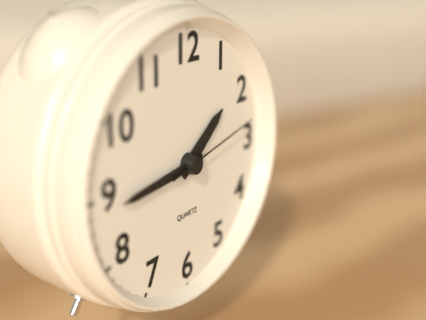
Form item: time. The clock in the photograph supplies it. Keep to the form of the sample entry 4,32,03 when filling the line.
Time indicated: 1,44,13
